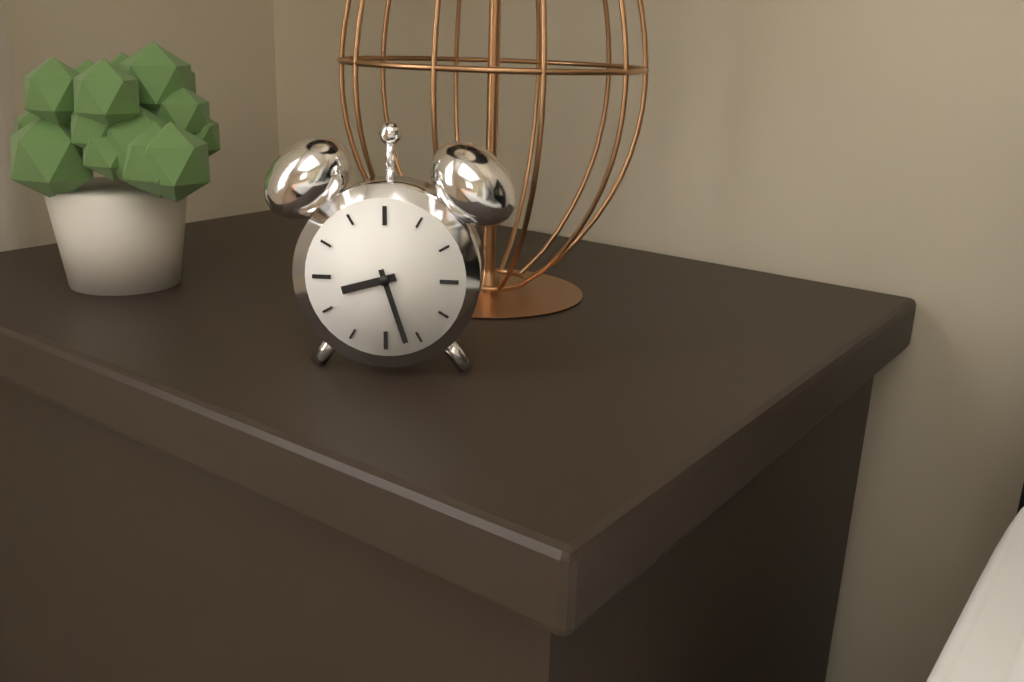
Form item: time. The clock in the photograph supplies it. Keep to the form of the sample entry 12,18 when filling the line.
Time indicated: 8,27
